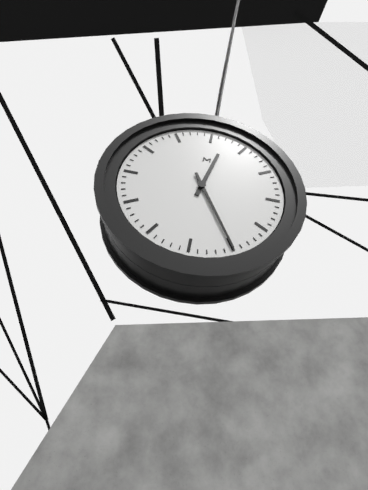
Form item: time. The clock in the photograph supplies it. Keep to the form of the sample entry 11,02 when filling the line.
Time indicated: 12,25
